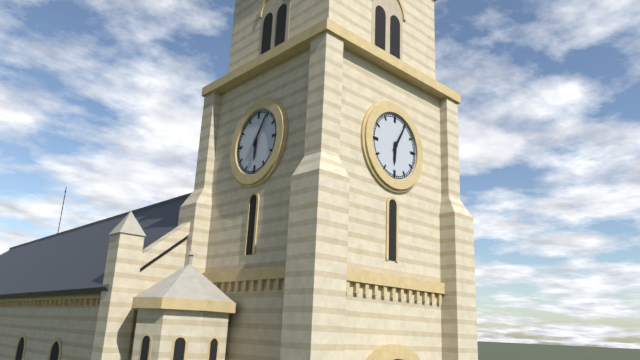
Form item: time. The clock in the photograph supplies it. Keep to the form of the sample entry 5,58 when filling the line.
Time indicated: 6,05
